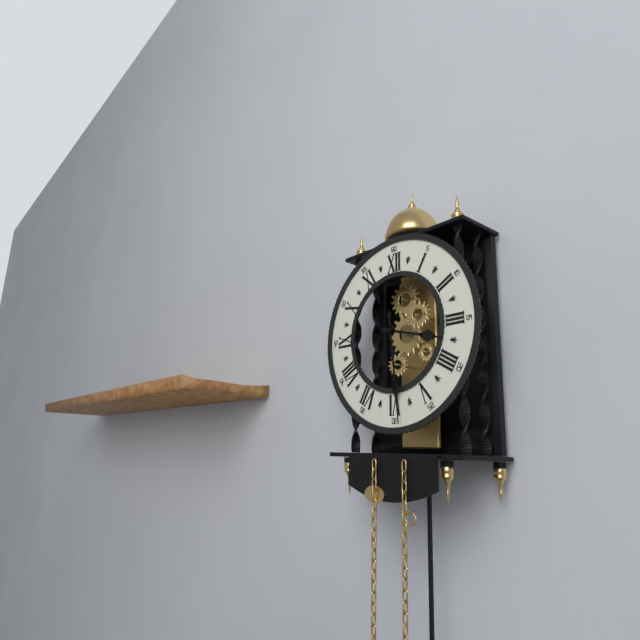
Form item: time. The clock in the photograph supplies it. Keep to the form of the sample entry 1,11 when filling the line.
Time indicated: 3,29
